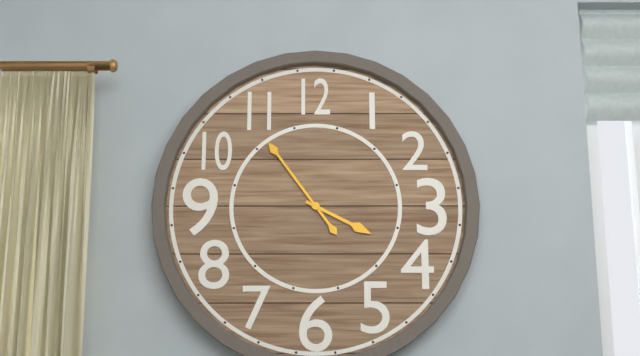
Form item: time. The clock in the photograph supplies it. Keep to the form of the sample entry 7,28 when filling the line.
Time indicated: 3,54
